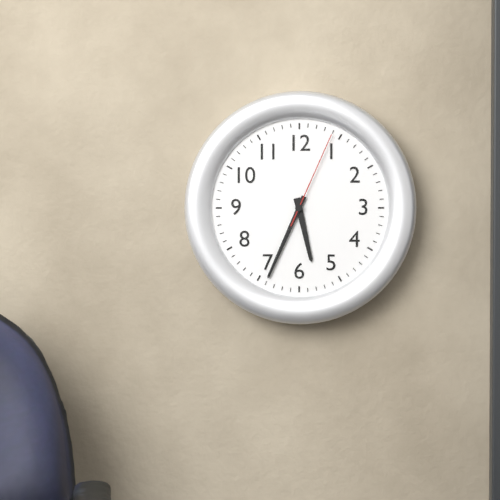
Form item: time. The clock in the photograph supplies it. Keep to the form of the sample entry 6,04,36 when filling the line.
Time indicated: 5,34,04
